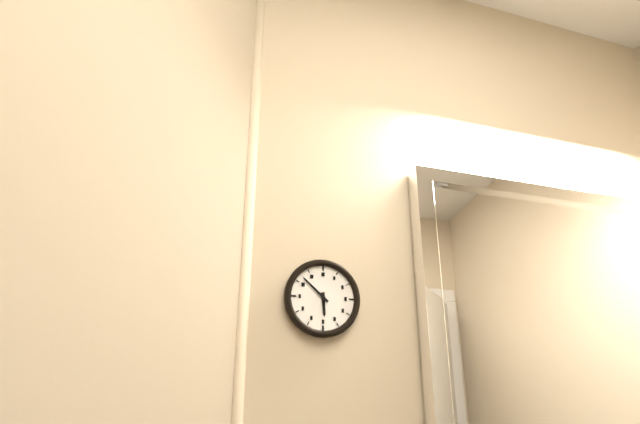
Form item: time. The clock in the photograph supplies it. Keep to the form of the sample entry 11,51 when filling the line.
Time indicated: 5,52
